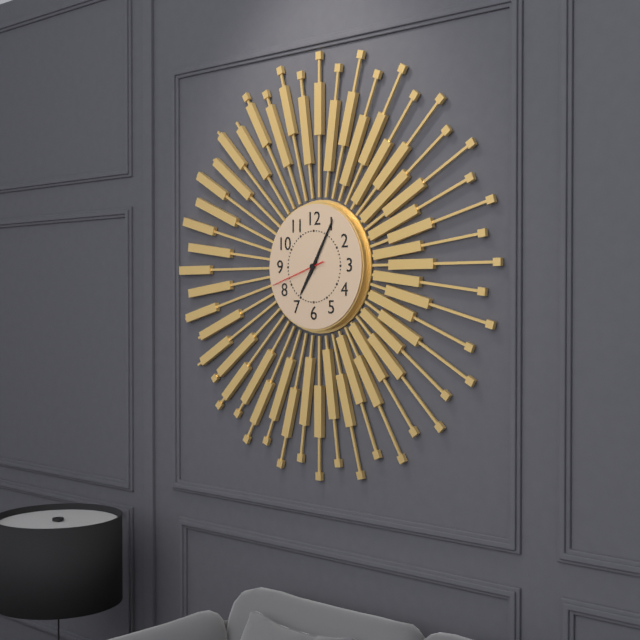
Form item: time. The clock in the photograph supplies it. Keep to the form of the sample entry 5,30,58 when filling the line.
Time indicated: 7,05,42
